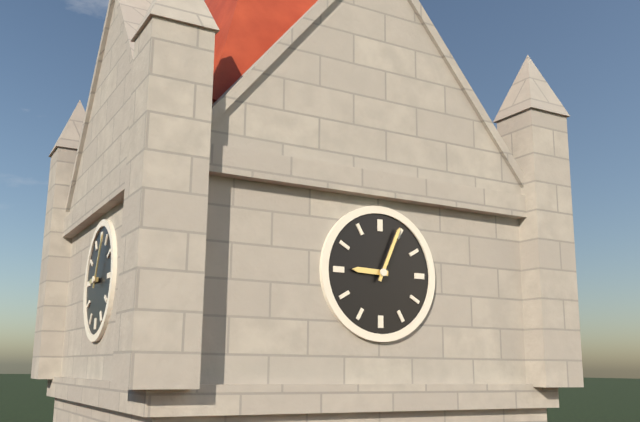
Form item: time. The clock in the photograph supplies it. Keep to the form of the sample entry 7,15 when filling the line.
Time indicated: 9,04
